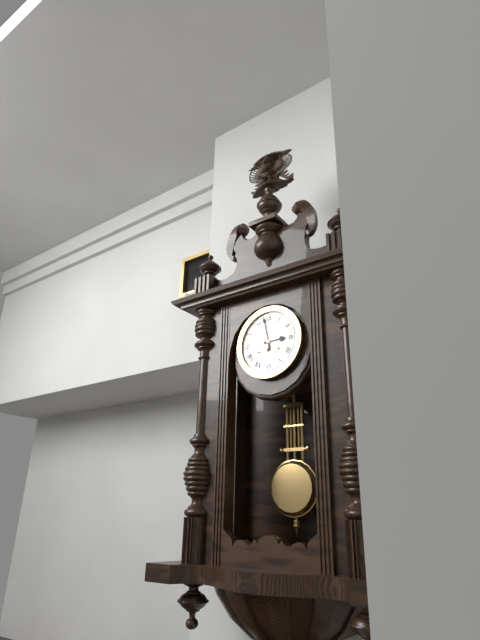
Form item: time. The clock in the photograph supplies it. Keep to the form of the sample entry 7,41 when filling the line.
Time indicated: 2,58
